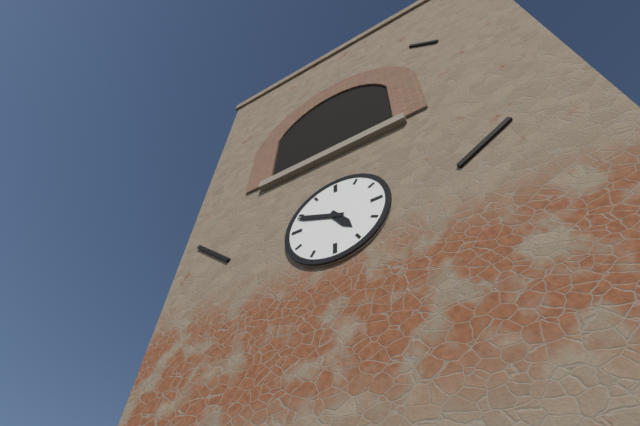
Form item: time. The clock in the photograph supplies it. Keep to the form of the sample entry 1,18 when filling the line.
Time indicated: 4,49
